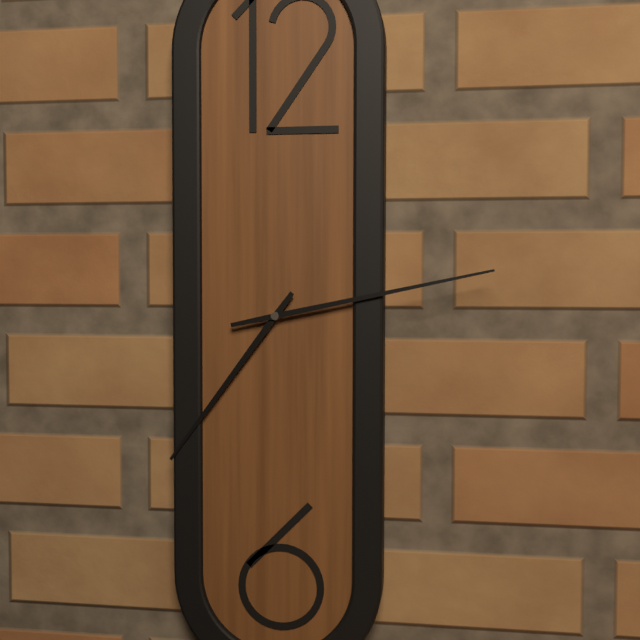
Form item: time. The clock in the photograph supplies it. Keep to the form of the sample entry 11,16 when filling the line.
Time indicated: 7,13
